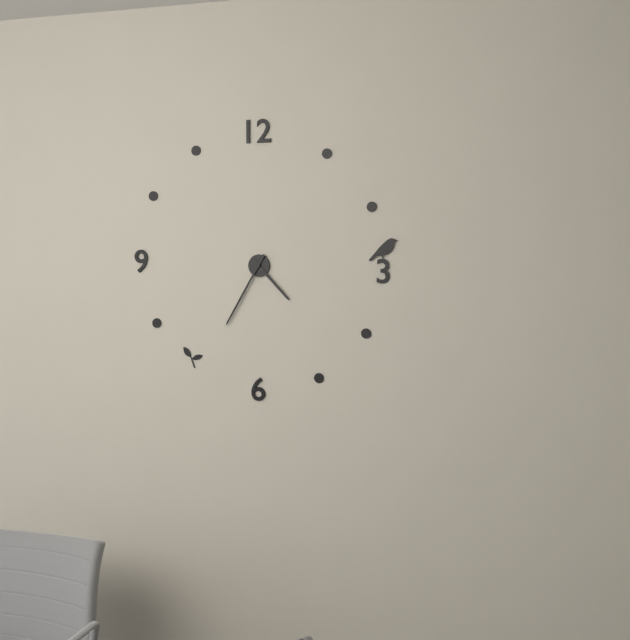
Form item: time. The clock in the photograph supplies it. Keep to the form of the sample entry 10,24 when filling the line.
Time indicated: 4,35
